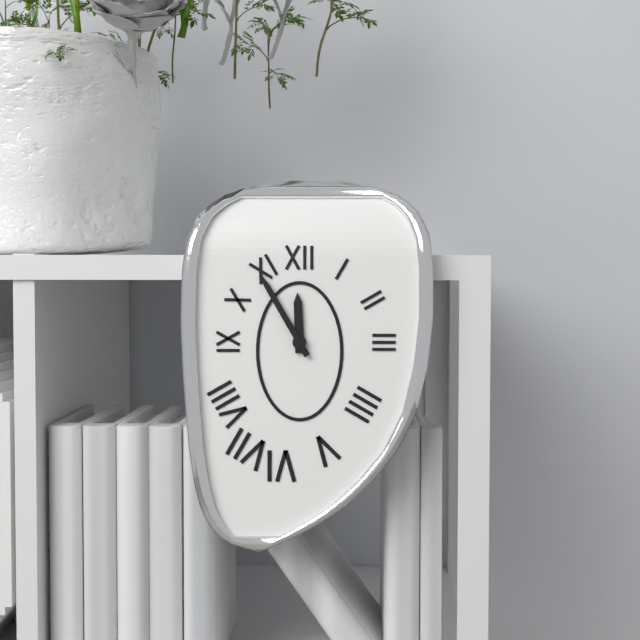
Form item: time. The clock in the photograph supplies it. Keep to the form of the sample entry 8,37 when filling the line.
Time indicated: 11,55
